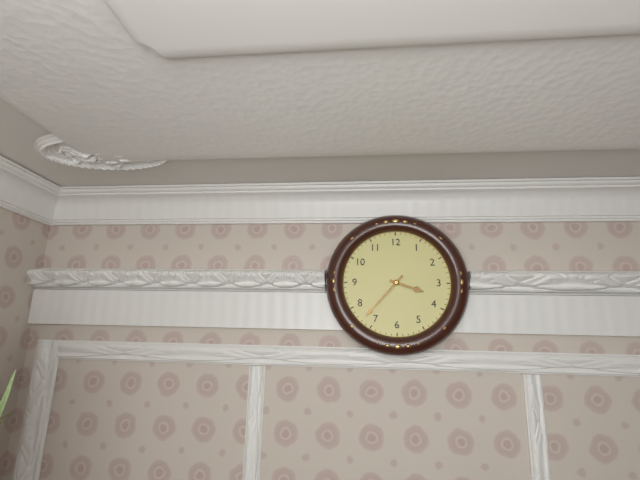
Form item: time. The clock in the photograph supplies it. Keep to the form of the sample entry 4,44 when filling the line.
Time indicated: 3,37
